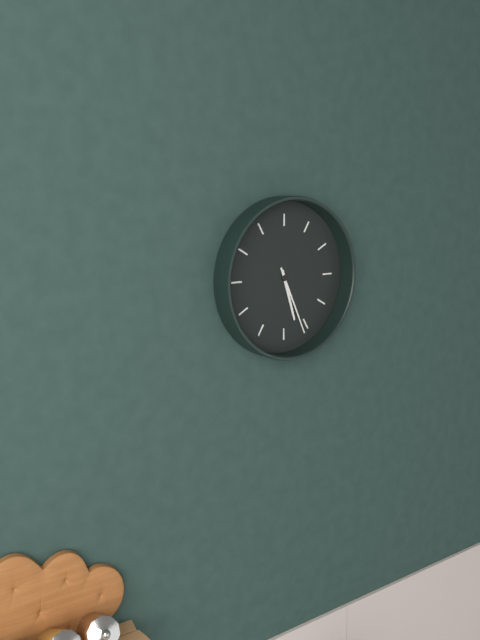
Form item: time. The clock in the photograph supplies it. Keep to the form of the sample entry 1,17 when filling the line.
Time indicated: 5,26
